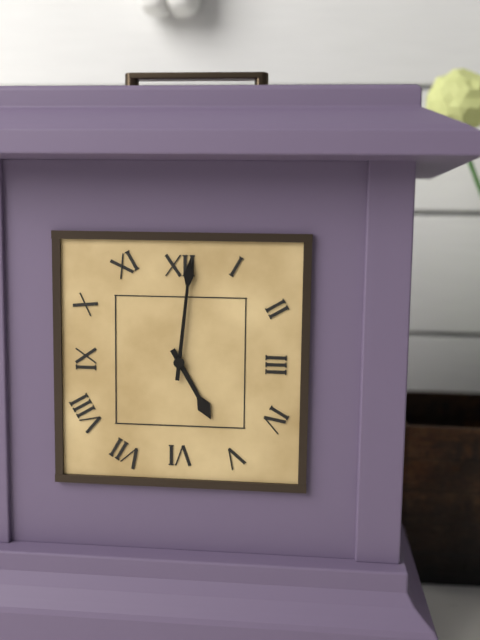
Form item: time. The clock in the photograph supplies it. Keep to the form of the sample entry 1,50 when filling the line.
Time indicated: 5,01
